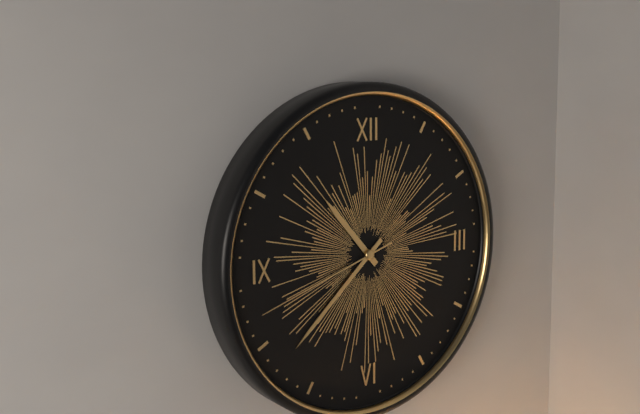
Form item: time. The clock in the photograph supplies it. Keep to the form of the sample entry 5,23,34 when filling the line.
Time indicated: 10,38,42
